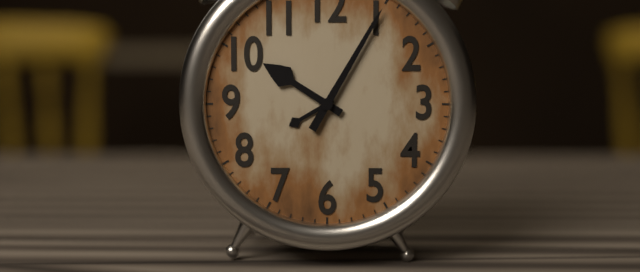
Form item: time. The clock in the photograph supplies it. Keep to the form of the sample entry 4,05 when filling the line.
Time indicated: 10,05
